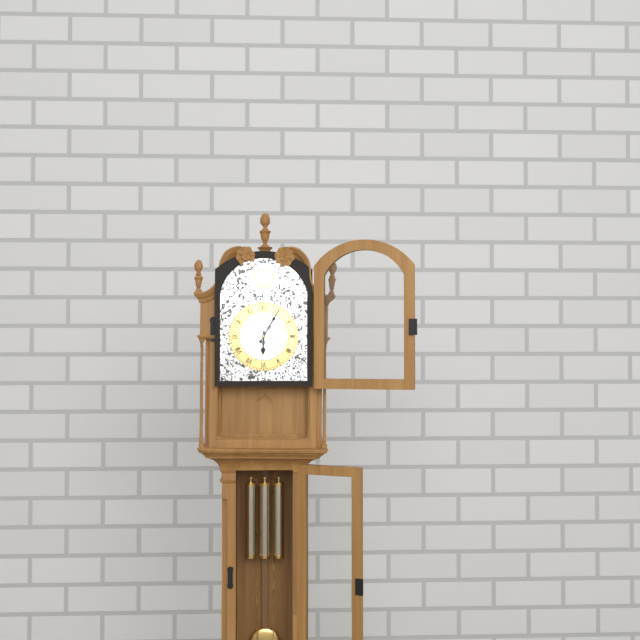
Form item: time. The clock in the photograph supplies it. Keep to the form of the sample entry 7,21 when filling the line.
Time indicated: 6,05
